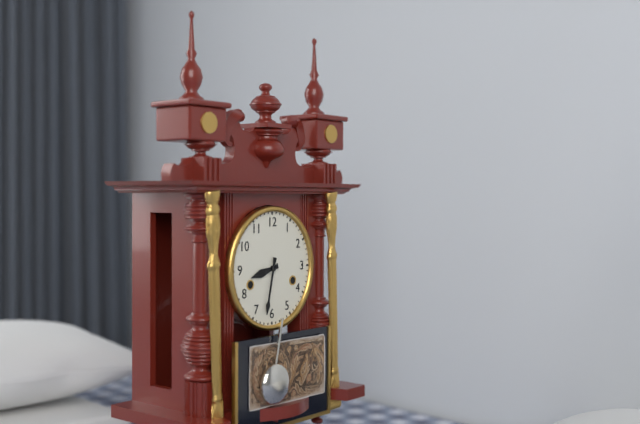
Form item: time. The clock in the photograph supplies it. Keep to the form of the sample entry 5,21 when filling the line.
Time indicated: 8,32
